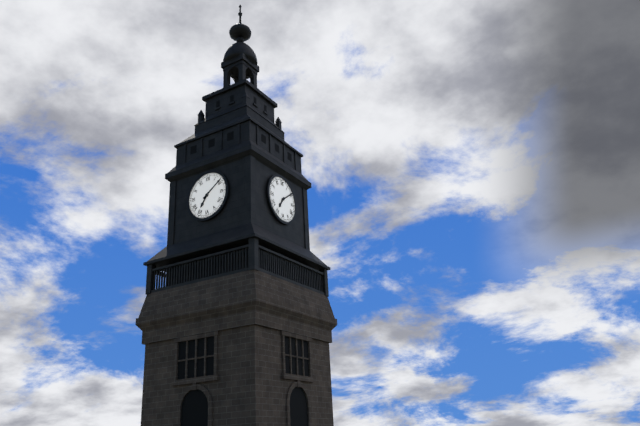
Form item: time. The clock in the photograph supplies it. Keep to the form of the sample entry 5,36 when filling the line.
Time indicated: 7,09
